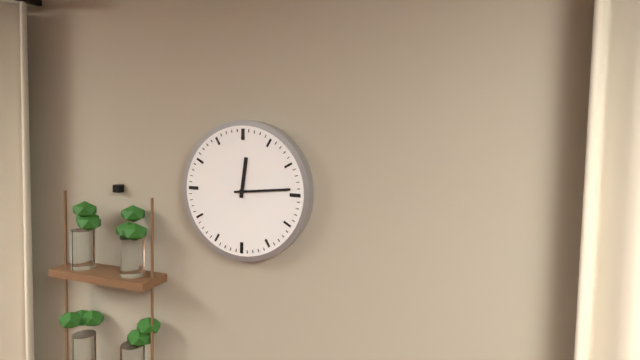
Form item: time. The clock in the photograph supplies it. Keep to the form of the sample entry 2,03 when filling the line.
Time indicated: 12,14
